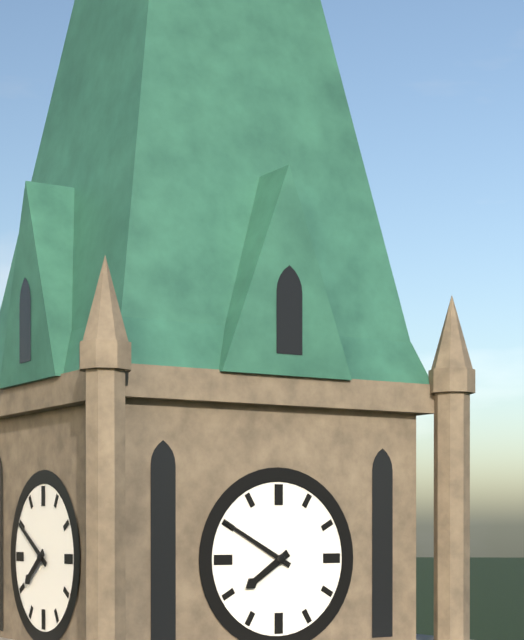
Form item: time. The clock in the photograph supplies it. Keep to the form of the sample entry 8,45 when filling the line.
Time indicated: 7,50
